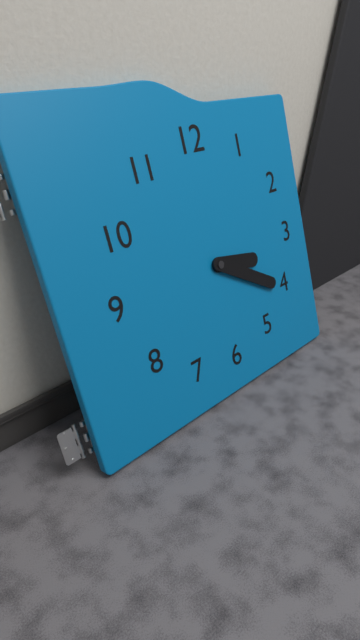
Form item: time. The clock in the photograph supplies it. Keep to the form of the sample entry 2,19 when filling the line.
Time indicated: 3,20
